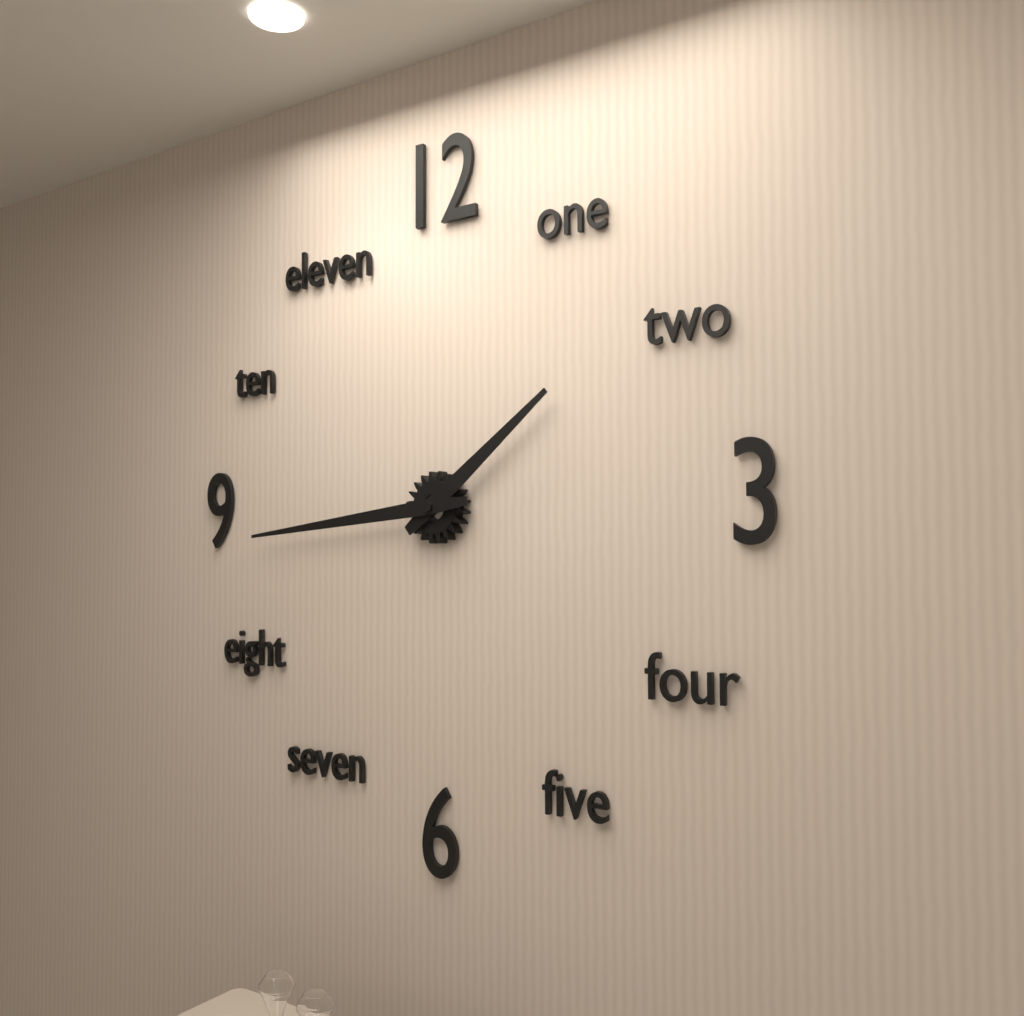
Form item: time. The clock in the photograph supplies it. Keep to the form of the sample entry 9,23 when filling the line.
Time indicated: 1,44
